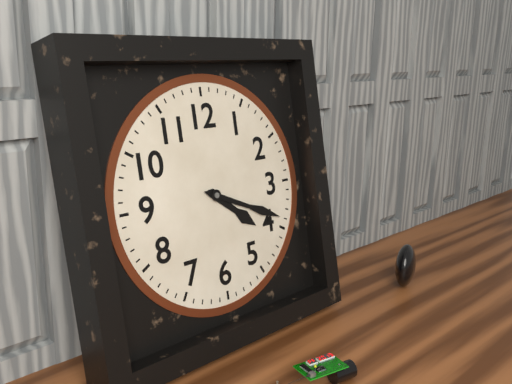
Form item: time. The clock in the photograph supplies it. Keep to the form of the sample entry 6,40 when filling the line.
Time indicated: 4,19
